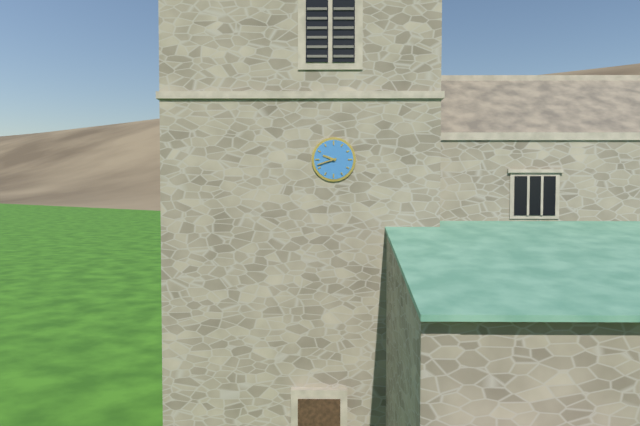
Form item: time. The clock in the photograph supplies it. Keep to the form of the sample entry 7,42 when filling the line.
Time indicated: 9,42
